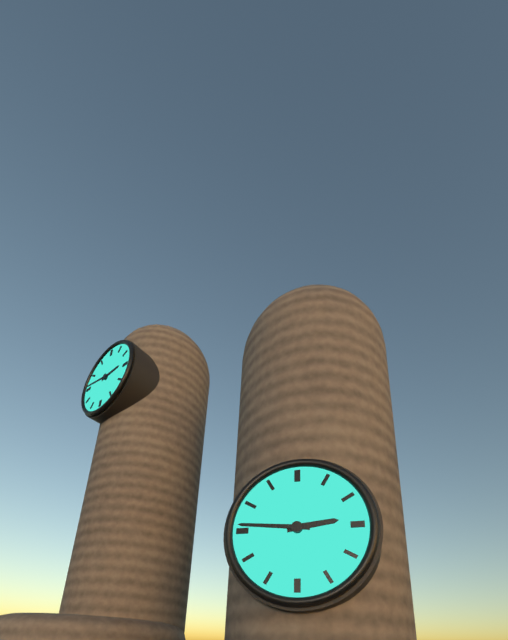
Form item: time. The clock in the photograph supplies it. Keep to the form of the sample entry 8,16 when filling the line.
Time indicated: 2,46
